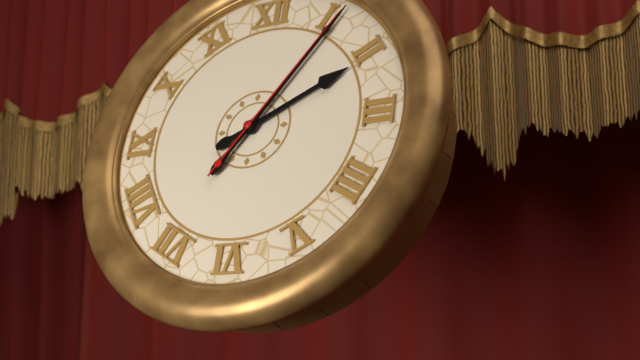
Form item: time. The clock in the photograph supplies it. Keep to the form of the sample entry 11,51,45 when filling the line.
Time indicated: 2,06,06
